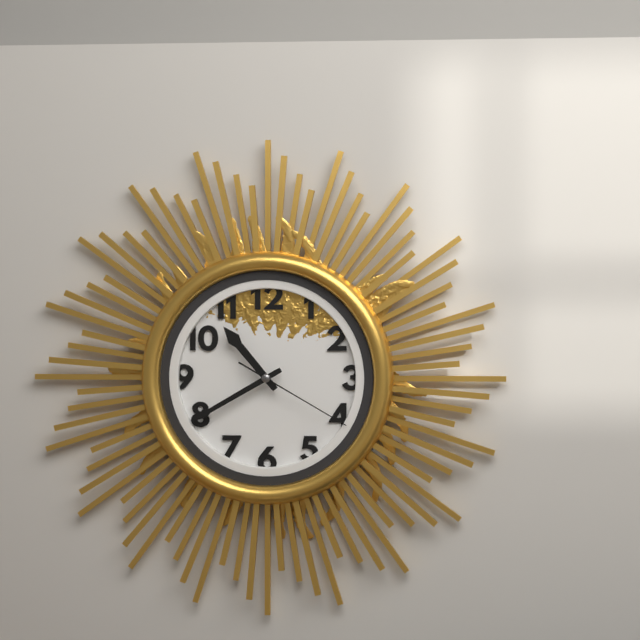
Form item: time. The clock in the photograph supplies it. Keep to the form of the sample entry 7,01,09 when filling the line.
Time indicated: 10,40,20
